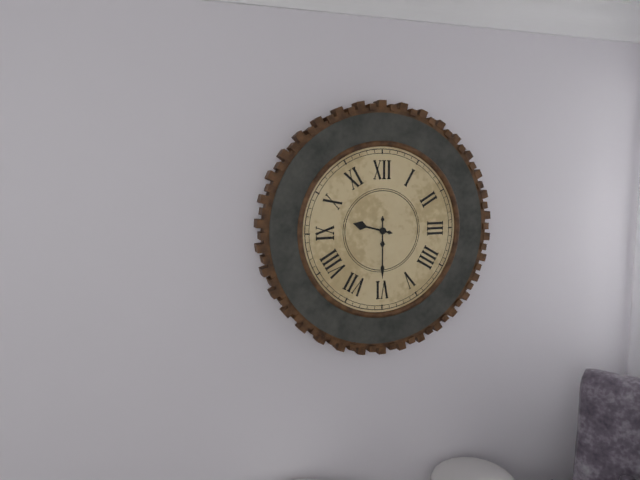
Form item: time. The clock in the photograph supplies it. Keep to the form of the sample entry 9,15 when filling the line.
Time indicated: 9,30
